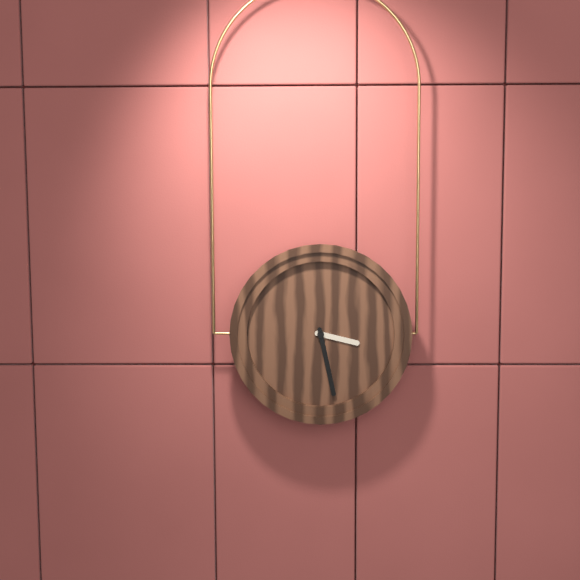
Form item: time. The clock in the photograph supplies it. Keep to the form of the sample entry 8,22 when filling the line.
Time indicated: 3,28
